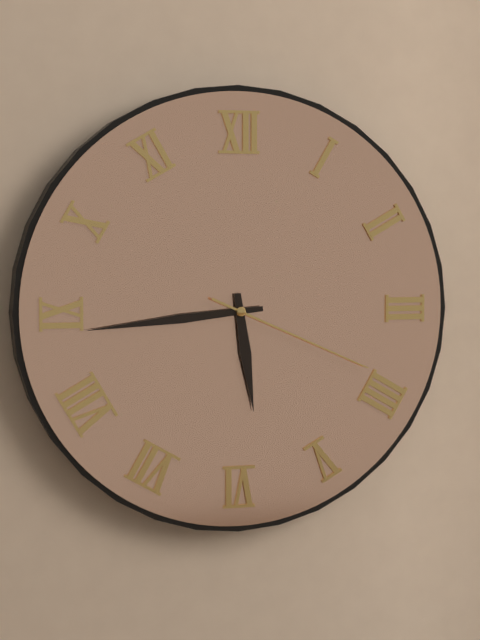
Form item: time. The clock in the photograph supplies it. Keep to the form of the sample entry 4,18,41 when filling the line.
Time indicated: 5,44,19
